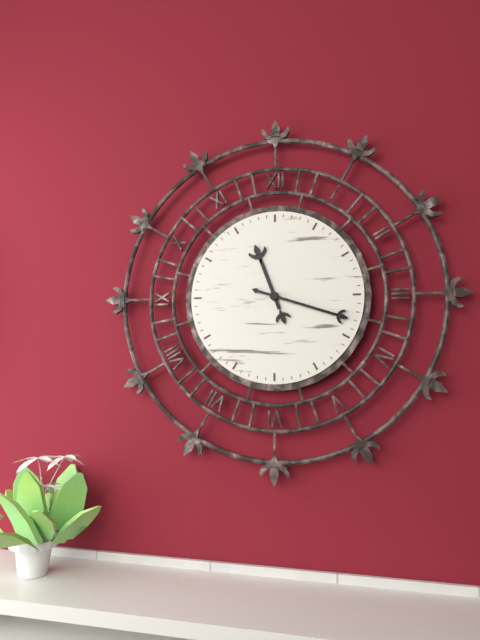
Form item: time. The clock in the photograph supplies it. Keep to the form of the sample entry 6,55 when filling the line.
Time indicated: 11,18
